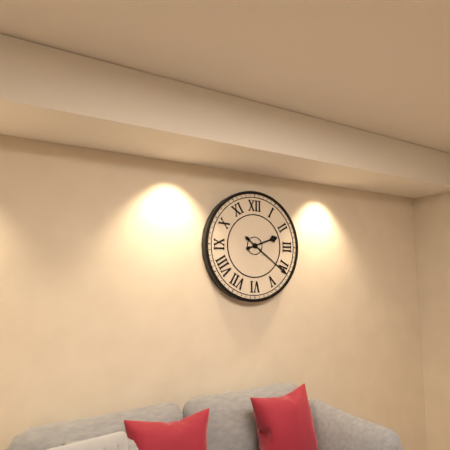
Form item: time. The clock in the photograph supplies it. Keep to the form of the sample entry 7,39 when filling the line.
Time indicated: 2,21
